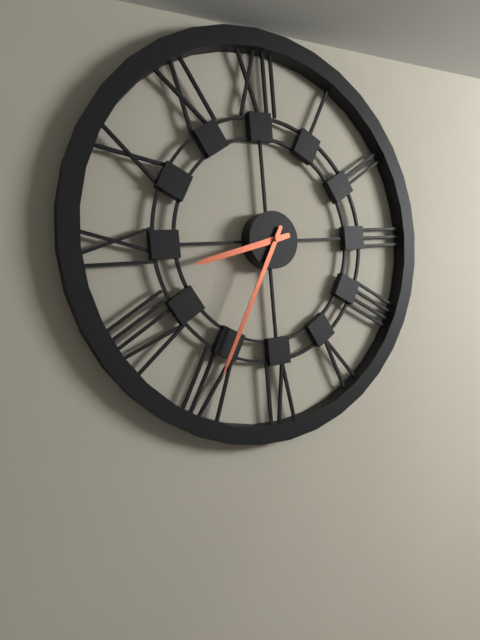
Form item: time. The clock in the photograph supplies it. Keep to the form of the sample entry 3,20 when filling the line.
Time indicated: 8,35
